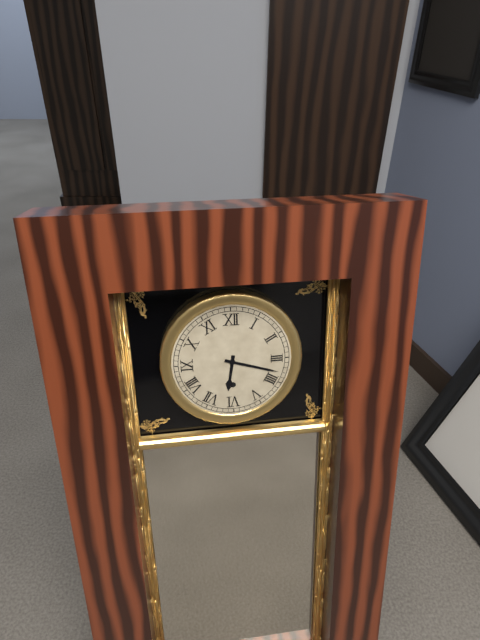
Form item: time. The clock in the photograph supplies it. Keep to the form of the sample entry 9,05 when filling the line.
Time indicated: 6,18
